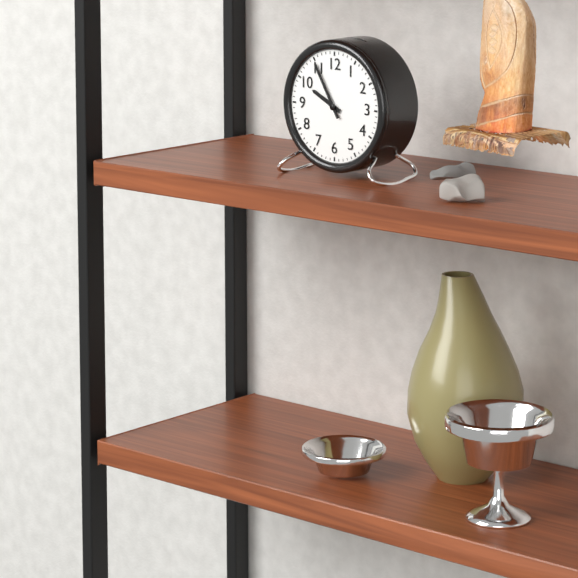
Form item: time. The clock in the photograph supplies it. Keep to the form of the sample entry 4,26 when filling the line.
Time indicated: 9,55
